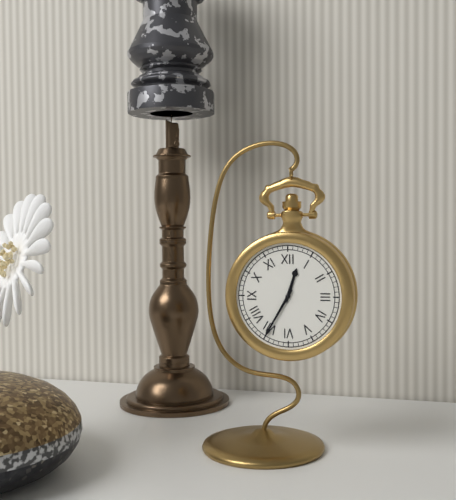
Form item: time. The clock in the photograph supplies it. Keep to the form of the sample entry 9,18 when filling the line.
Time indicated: 12,35
